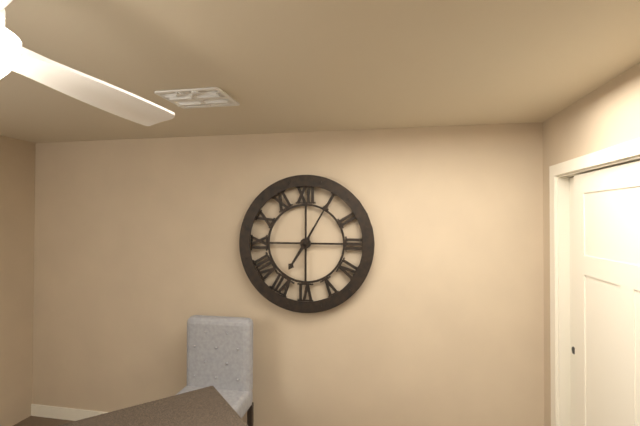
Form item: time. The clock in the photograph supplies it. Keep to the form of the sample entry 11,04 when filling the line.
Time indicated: 7,05
